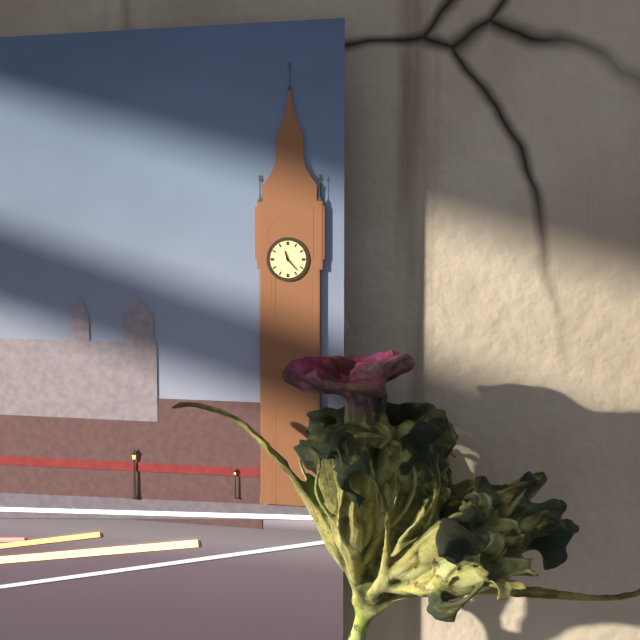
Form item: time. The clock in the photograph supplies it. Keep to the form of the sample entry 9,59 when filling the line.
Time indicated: 11,23
